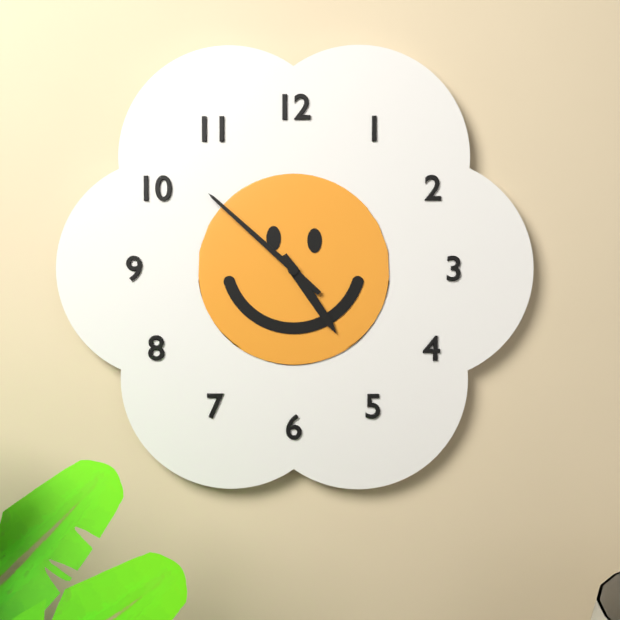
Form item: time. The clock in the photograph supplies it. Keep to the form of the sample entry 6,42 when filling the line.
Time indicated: 4,52
